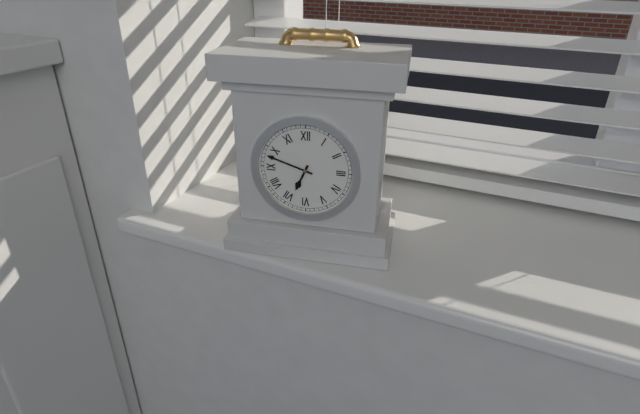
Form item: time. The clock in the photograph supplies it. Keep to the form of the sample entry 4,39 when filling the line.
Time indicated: 6,48
